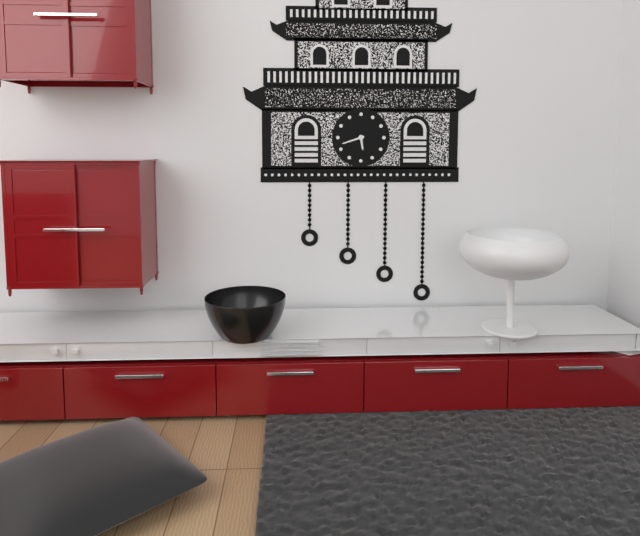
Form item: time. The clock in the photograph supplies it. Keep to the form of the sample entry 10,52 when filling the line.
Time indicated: 5,42
